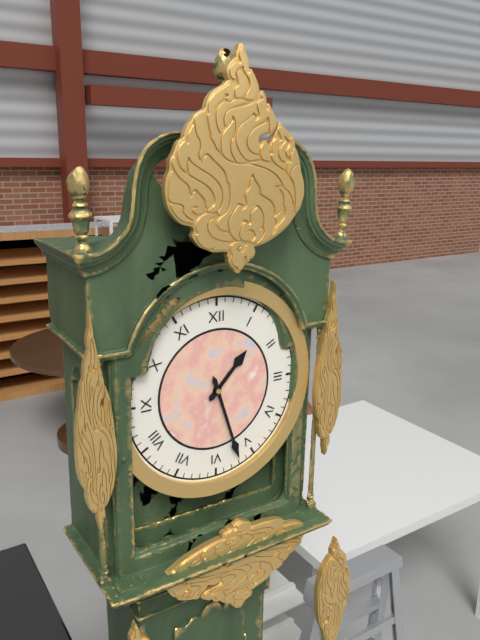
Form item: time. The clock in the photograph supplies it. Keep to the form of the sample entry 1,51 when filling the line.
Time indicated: 1,27
